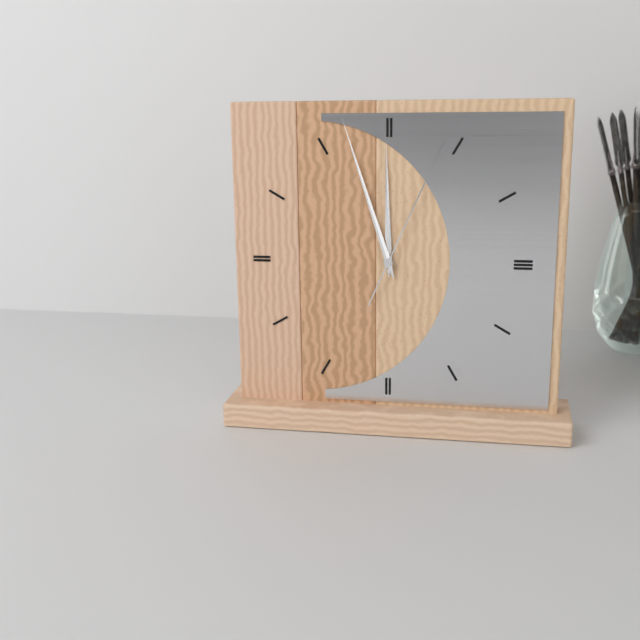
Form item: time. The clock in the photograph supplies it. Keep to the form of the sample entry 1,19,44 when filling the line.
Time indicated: 11,57,04
